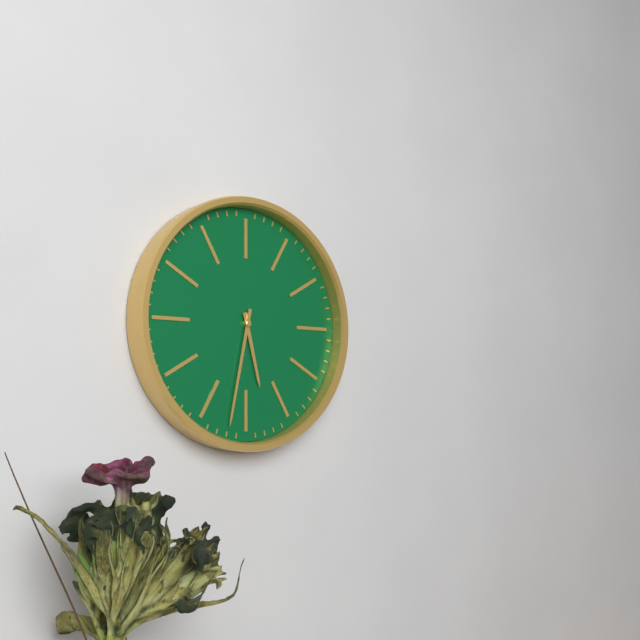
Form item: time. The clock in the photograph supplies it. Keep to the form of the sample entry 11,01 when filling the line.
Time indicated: 5,32
